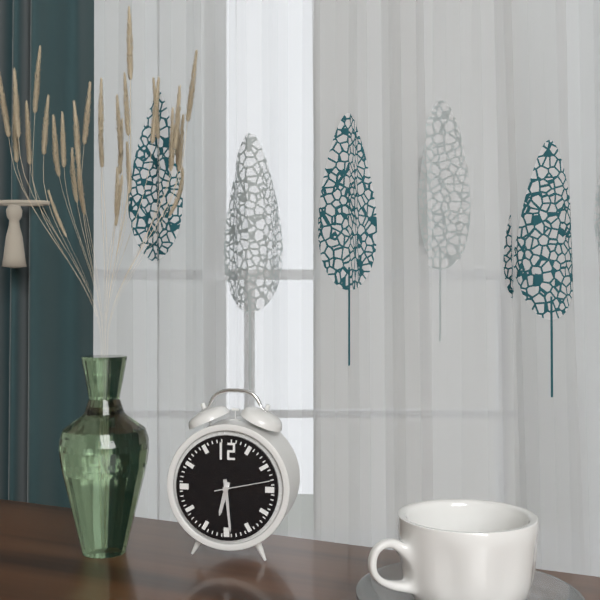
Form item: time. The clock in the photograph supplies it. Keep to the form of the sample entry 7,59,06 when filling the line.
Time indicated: 6,29,13
